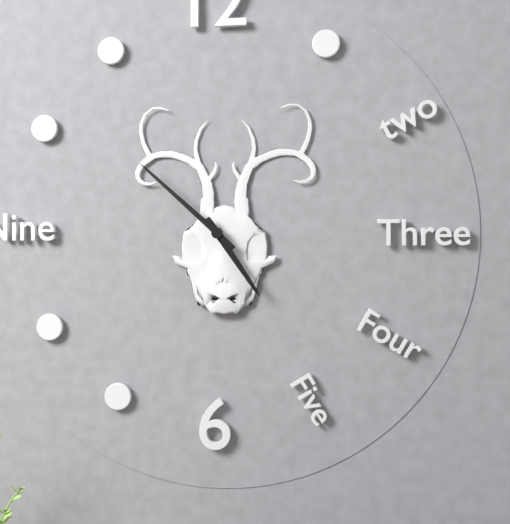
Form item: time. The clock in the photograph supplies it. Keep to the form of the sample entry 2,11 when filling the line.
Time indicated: 4,52
